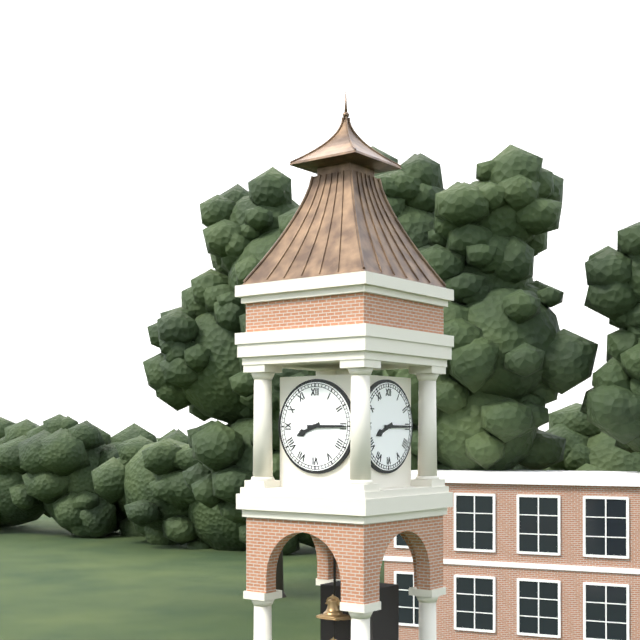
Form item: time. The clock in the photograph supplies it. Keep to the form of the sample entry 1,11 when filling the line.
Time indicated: 8,15
